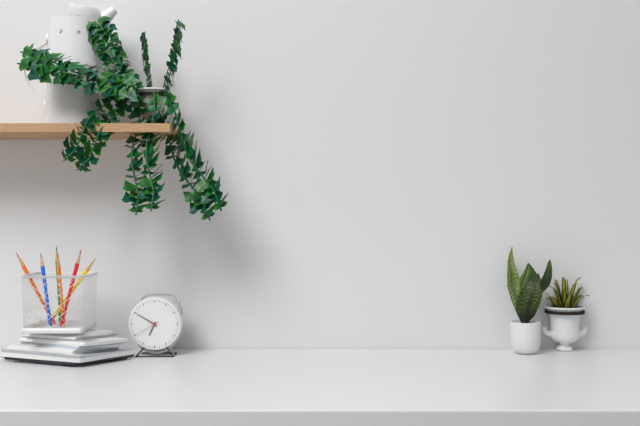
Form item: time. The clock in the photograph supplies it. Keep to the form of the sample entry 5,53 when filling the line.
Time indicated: 6,50
